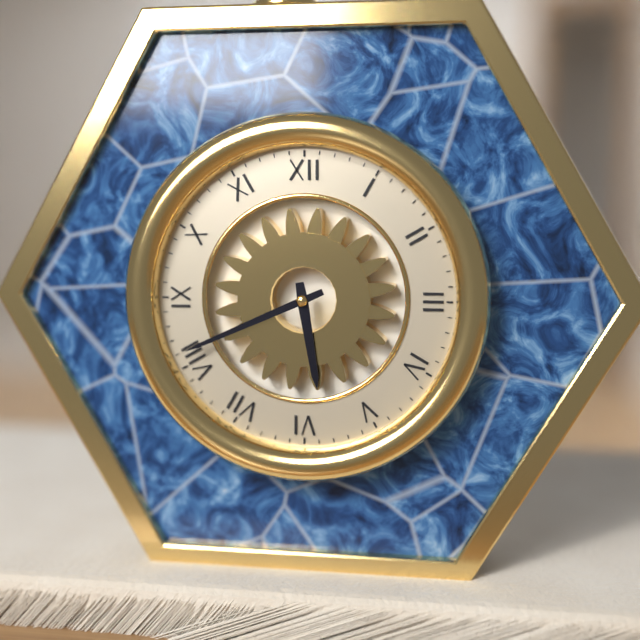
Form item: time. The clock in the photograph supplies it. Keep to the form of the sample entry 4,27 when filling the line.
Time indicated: 5,41
